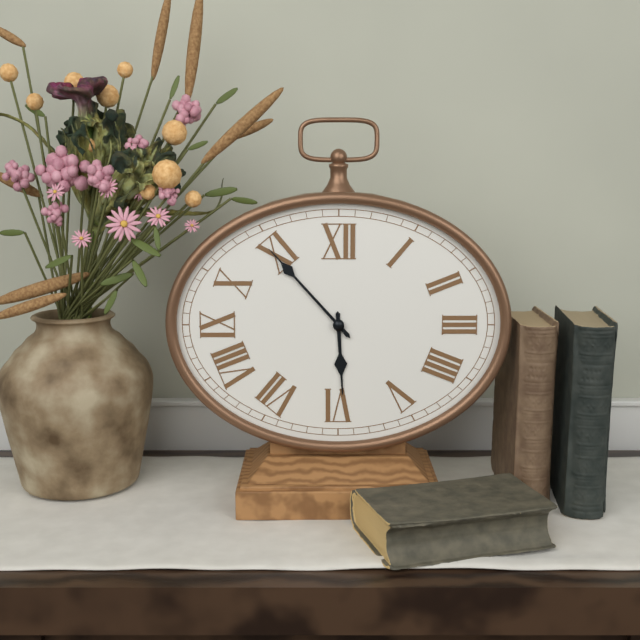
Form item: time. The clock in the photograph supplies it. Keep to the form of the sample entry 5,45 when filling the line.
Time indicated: 5,53
